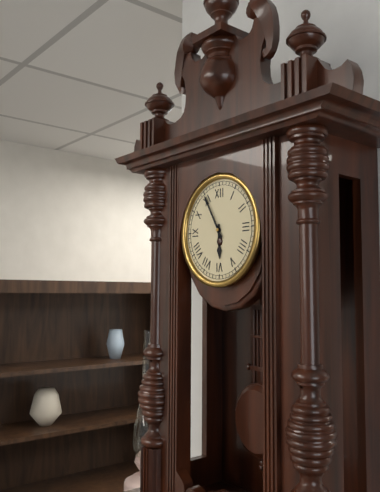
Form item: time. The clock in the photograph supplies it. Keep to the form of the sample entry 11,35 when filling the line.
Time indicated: 5,55
